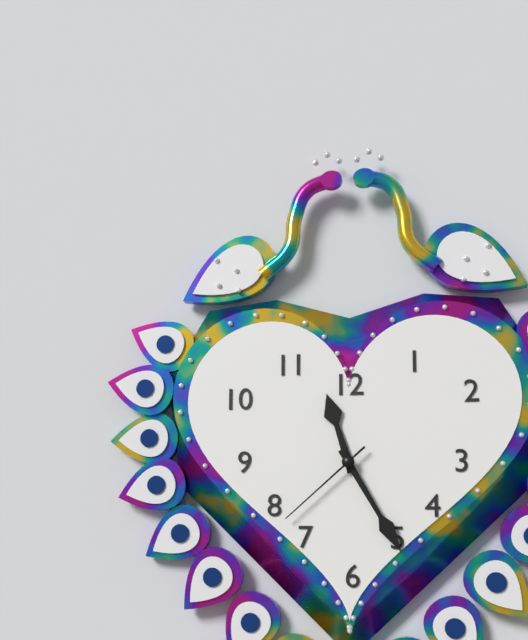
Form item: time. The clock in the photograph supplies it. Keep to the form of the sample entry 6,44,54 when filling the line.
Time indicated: 11,25,38
